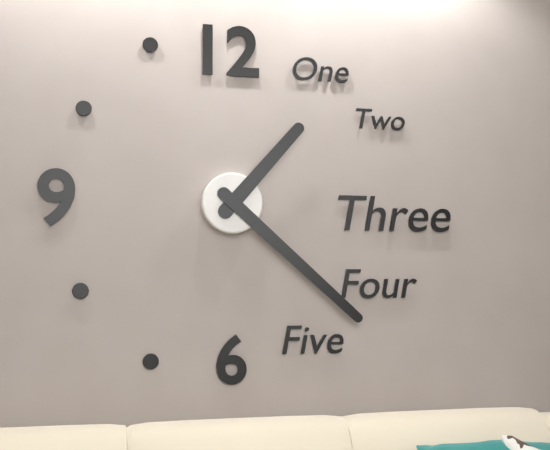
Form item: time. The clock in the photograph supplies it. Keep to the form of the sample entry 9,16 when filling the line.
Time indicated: 1,22
